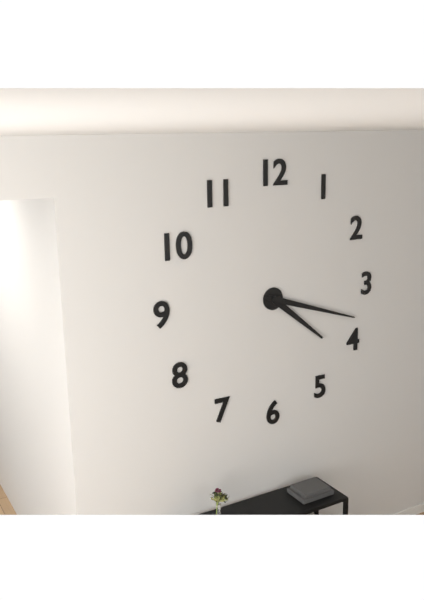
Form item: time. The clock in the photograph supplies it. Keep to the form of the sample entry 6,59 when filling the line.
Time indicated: 4,18
